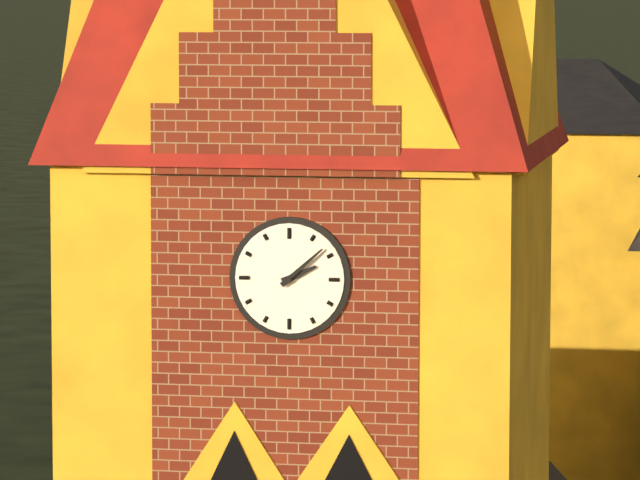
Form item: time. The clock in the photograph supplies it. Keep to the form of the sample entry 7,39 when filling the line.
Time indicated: 2,08
